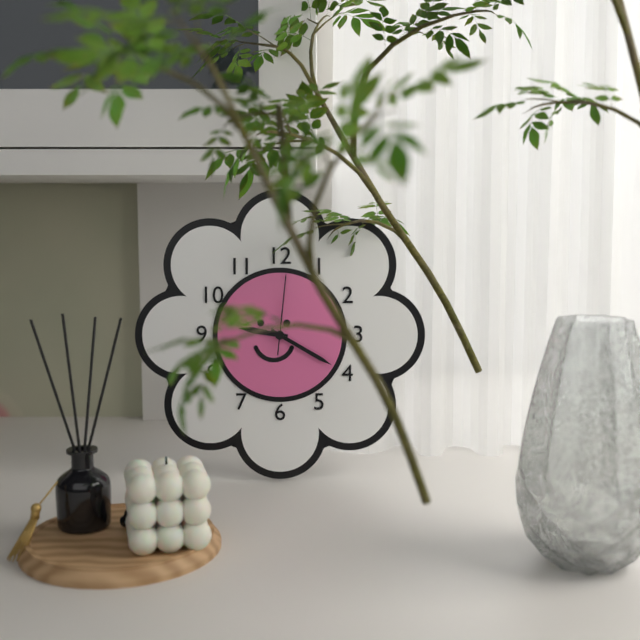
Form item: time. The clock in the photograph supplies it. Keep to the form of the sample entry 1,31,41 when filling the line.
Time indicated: 9,20,01
